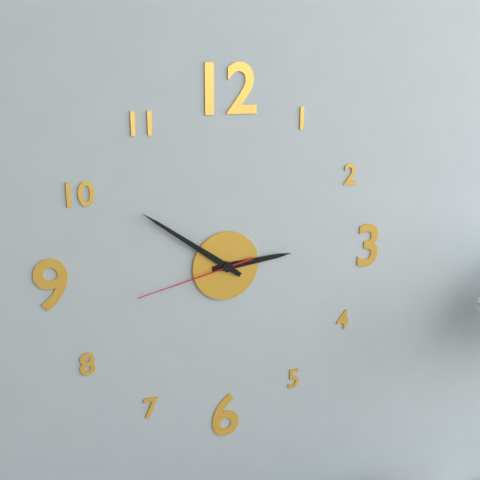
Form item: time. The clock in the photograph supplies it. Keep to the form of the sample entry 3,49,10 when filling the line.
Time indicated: 2,51,43
